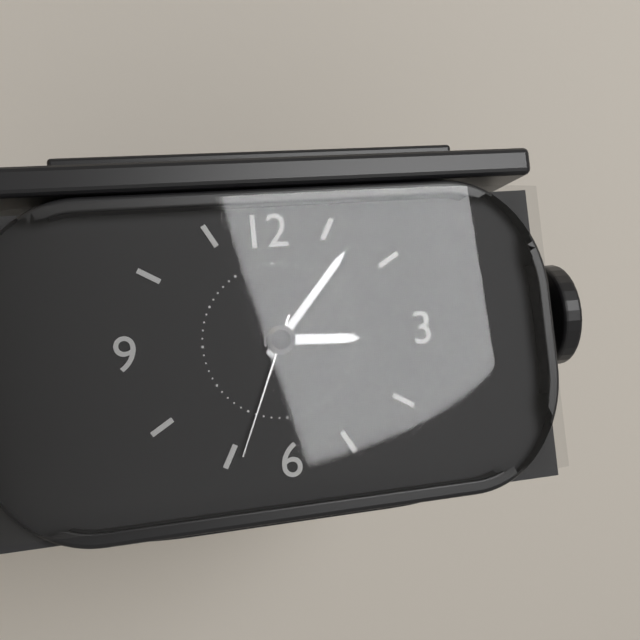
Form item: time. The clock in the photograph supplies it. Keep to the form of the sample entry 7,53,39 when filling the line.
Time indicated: 3,07,34
